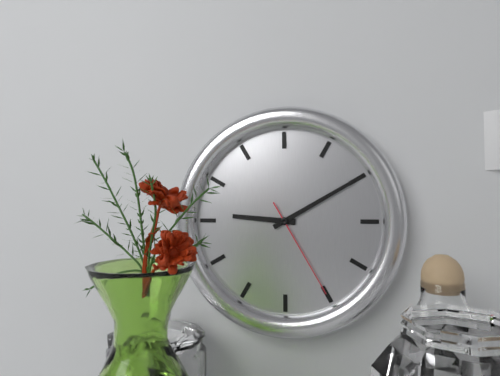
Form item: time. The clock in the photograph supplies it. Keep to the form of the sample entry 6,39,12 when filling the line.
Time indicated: 9,10,25
